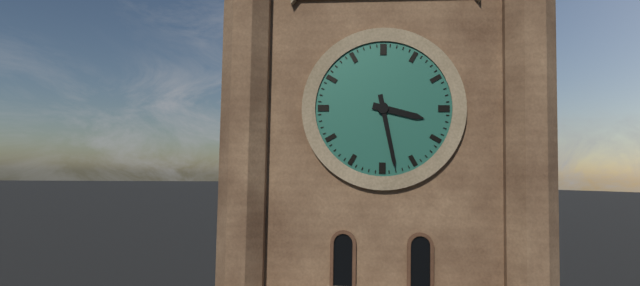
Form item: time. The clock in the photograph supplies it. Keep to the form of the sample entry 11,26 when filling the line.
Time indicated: 3,28
